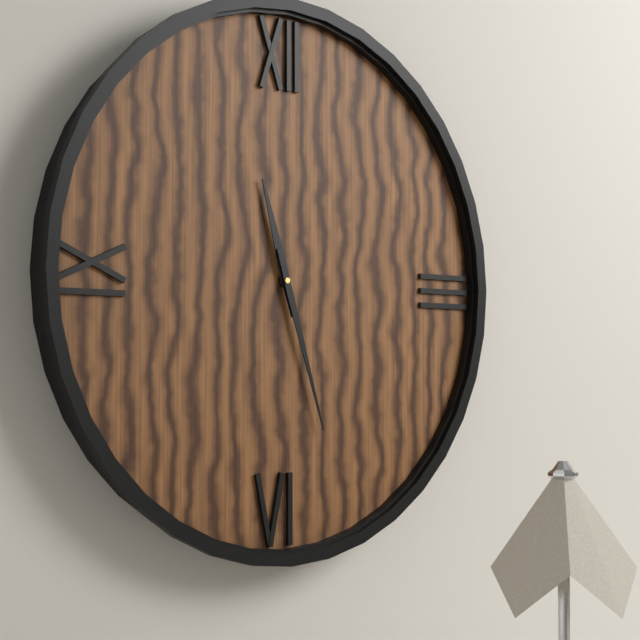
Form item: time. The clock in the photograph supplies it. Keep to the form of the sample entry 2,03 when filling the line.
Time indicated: 11,27
